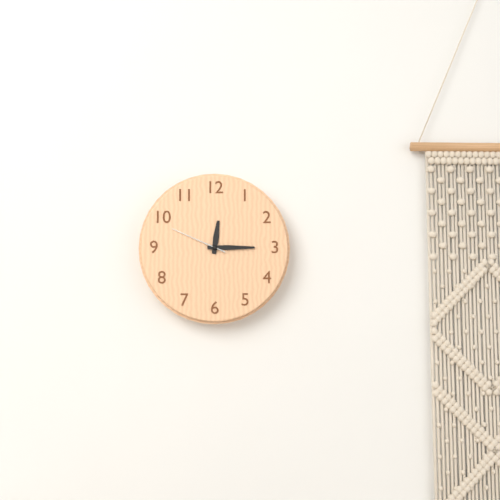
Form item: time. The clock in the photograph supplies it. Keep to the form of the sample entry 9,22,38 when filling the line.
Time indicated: 12,15,49
